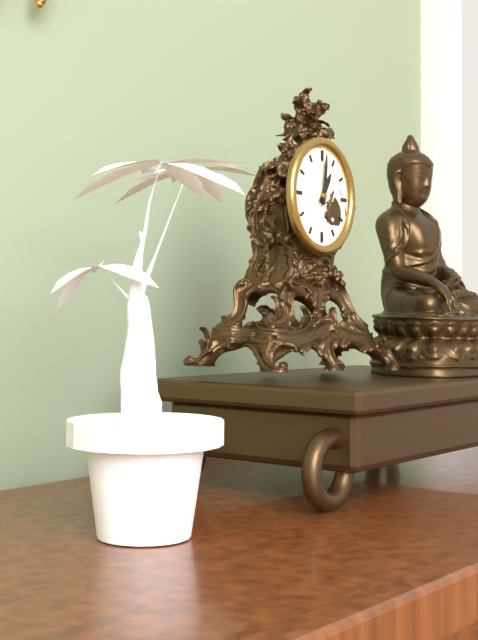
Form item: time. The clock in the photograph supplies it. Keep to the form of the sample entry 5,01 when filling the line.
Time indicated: 1,01
